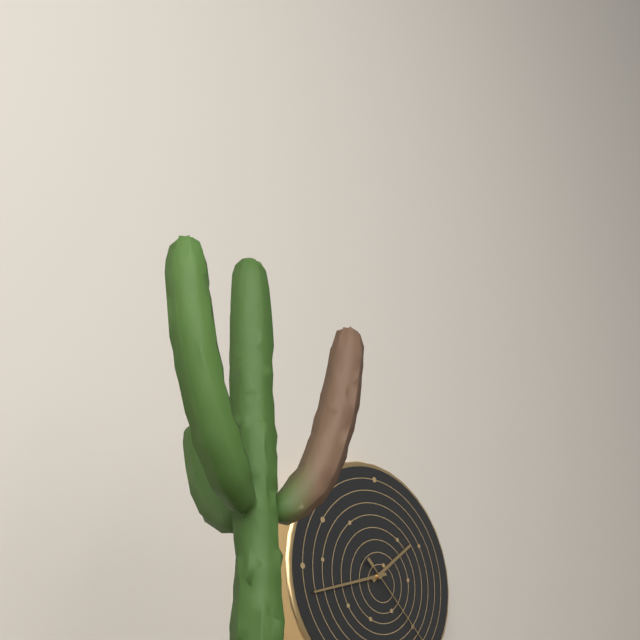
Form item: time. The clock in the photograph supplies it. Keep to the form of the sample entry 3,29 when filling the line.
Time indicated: 1,42
